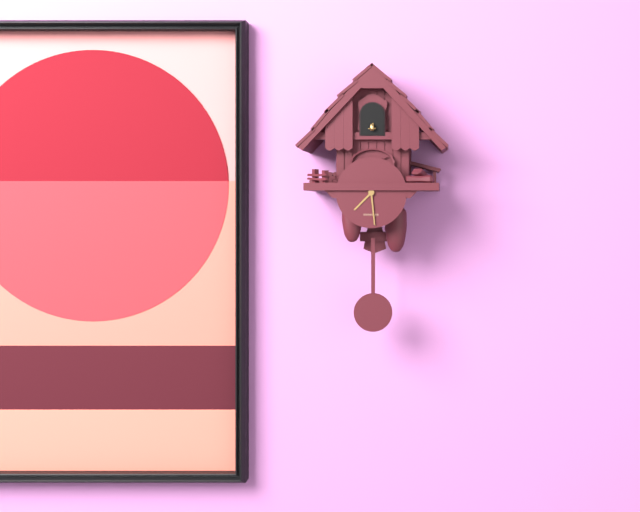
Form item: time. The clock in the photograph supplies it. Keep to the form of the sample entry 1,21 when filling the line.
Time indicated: 7,29
